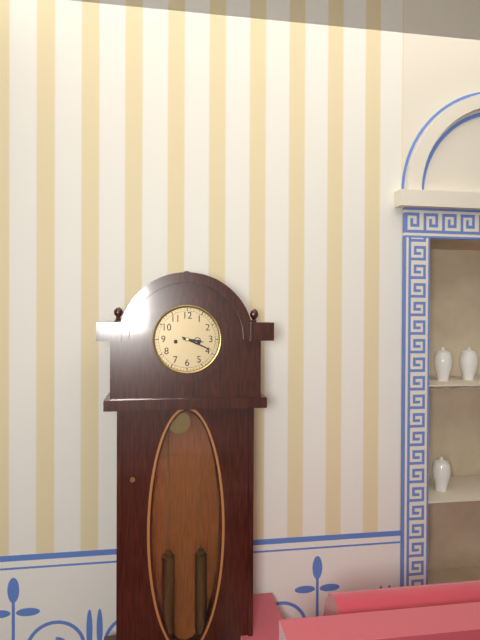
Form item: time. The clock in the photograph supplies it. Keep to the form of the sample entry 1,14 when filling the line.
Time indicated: 3,19
